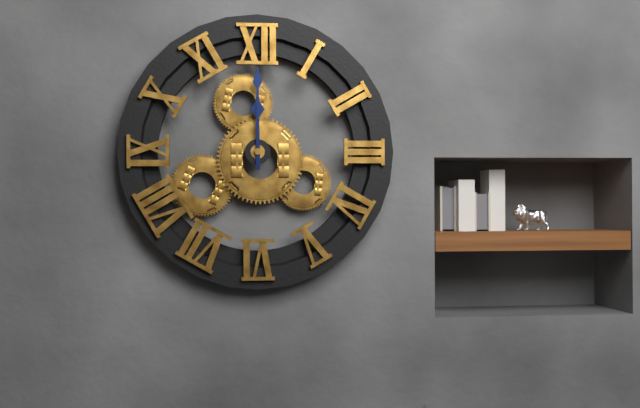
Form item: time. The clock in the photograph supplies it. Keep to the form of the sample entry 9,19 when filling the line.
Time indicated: 12,00
